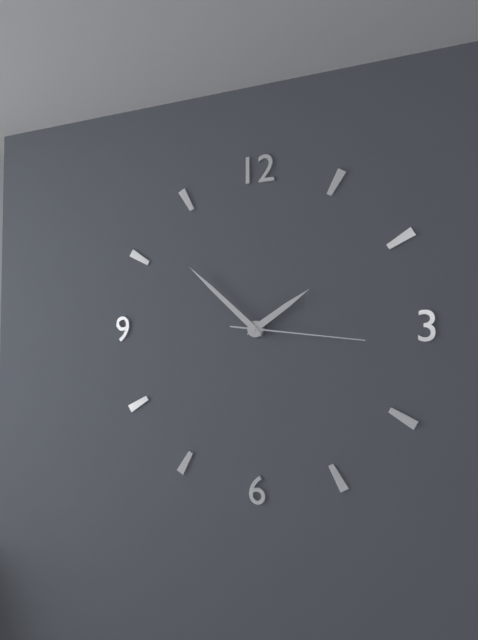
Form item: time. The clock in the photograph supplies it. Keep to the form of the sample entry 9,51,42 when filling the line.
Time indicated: 1,52,16
